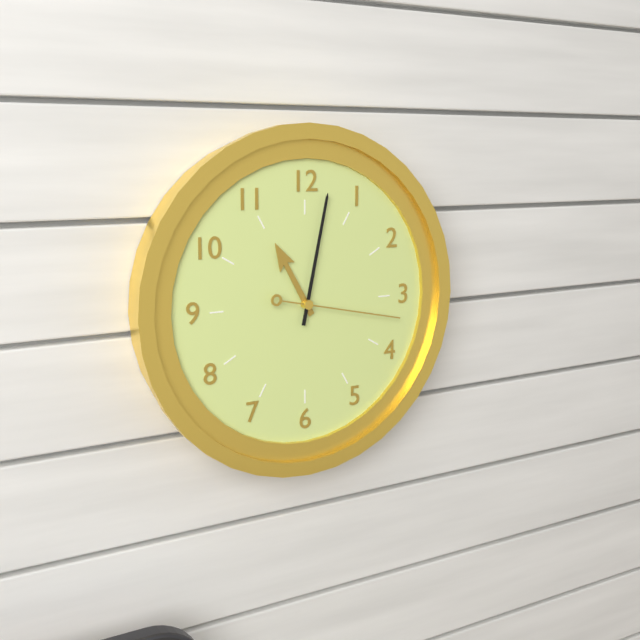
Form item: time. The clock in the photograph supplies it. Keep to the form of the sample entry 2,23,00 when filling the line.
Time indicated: 11,02,17
